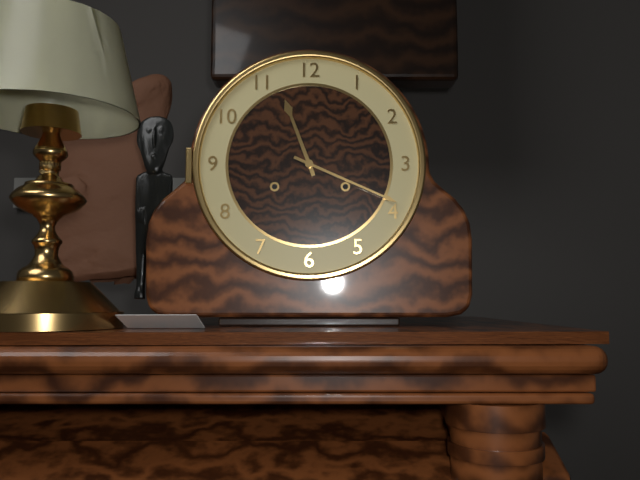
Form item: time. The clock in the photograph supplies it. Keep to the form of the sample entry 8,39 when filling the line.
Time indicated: 11,19
